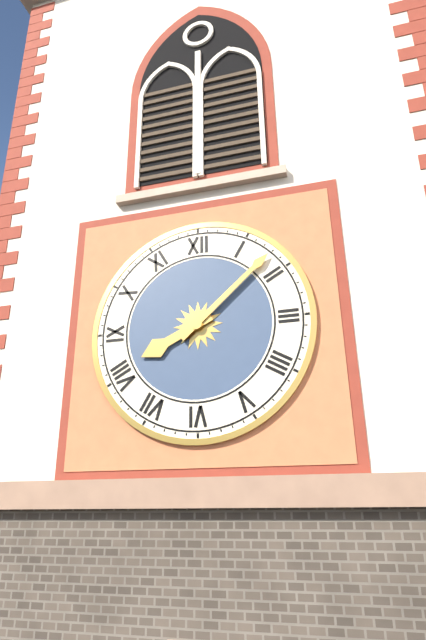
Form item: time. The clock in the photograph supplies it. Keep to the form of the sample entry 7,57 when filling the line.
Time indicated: 8,08
